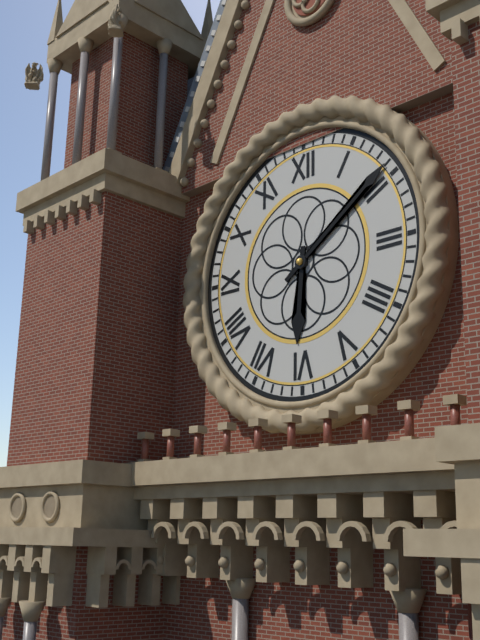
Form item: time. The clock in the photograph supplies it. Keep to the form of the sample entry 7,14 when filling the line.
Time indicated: 6,09
